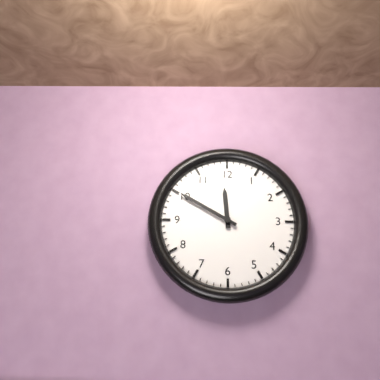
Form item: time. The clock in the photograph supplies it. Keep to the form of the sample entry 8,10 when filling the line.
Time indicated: 11,50
